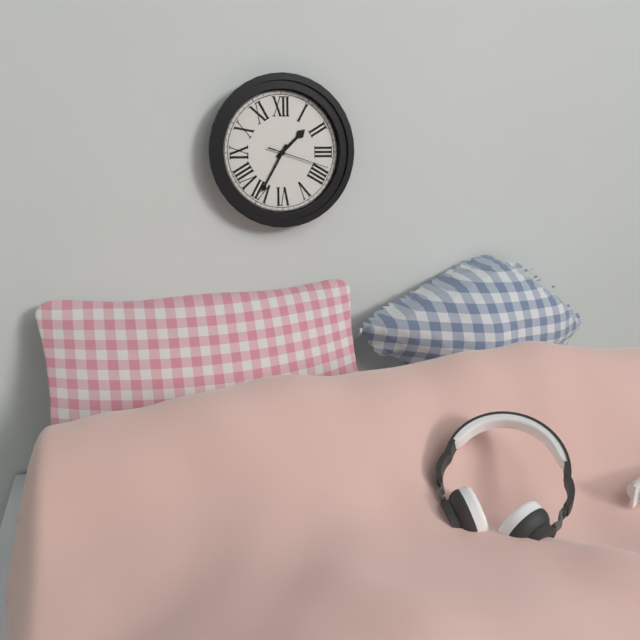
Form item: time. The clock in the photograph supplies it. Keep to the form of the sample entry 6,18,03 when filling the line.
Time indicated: 1,35,18
